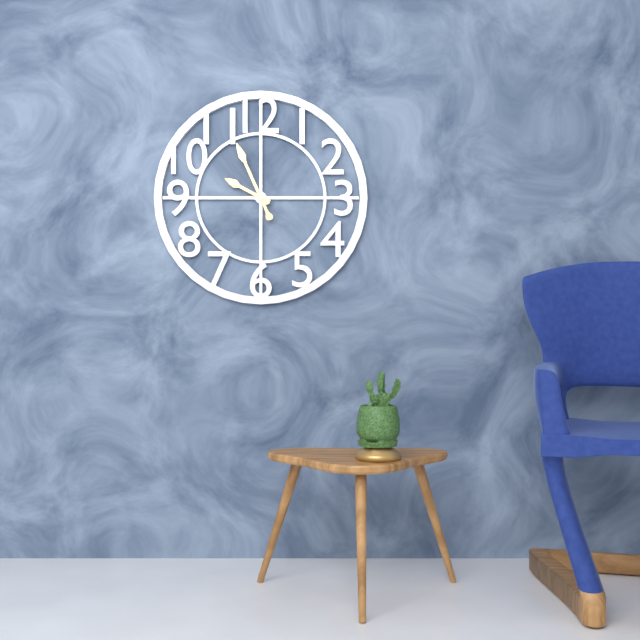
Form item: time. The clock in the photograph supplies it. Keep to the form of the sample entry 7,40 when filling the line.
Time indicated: 9,56
